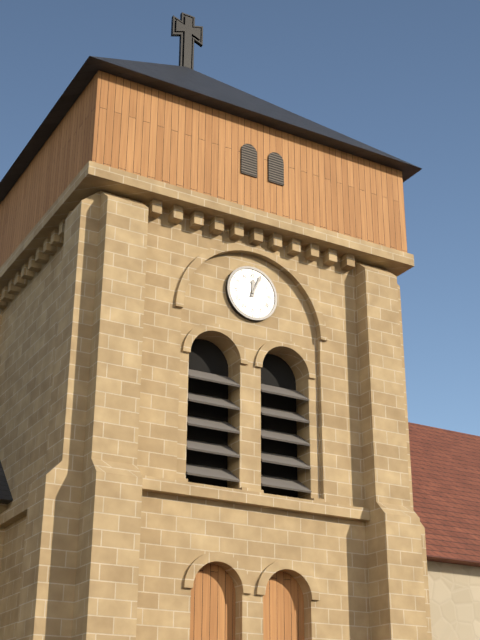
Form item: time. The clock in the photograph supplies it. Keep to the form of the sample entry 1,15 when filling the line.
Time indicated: 12,04
